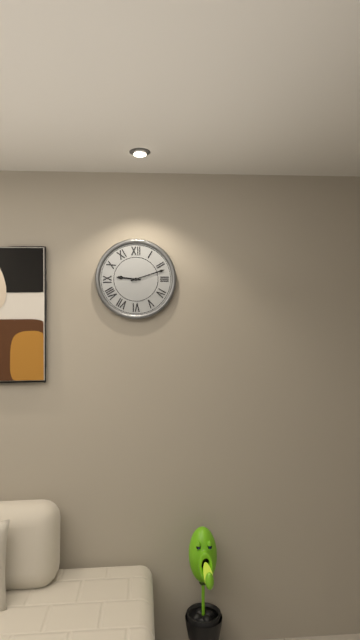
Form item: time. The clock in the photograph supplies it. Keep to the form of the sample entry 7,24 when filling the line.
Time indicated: 9,12
